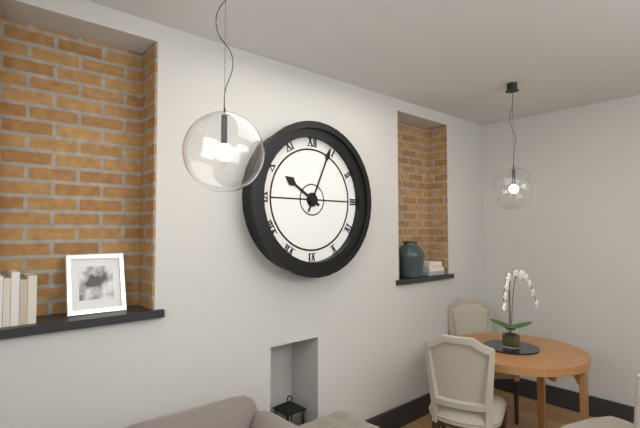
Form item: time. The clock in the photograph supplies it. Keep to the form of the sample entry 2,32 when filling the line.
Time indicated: 10,04
